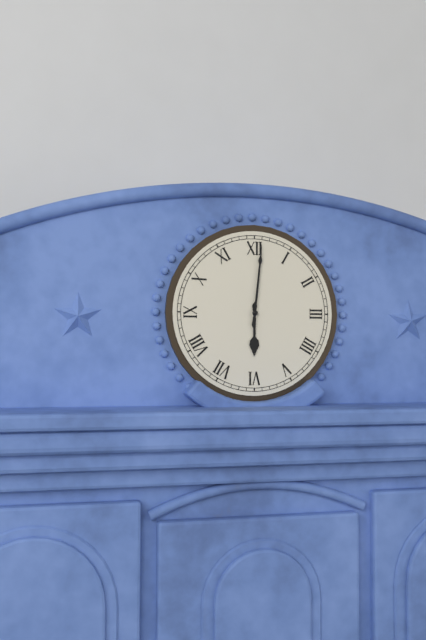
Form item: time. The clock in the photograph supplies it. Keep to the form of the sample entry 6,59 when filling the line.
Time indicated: 6,01
